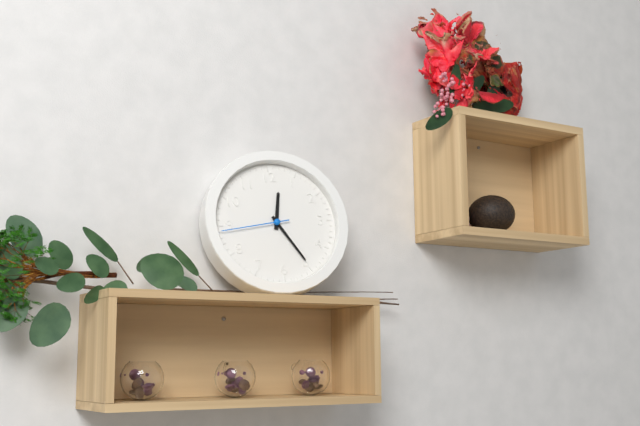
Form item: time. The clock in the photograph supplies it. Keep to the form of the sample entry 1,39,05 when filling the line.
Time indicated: 12,25,44
